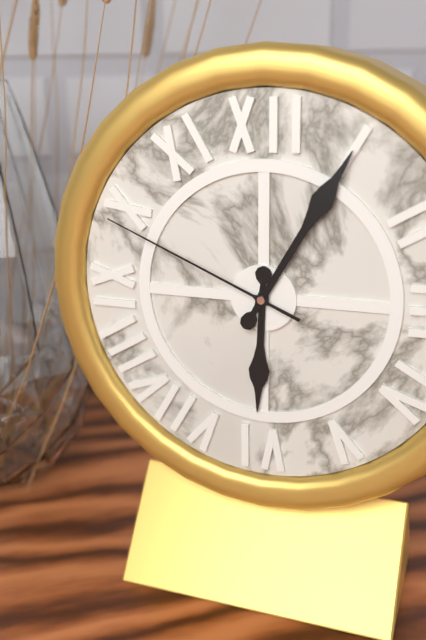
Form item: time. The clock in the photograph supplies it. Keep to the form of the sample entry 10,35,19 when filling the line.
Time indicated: 6,05,49
